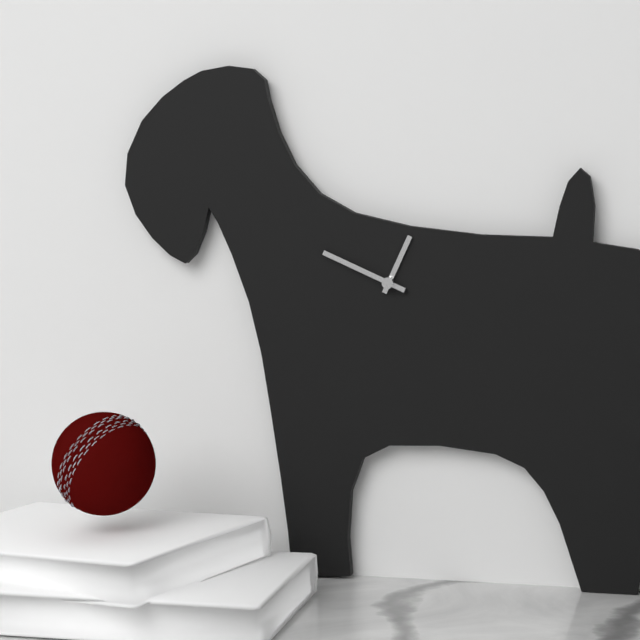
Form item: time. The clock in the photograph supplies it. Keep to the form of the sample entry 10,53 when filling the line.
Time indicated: 12,49
